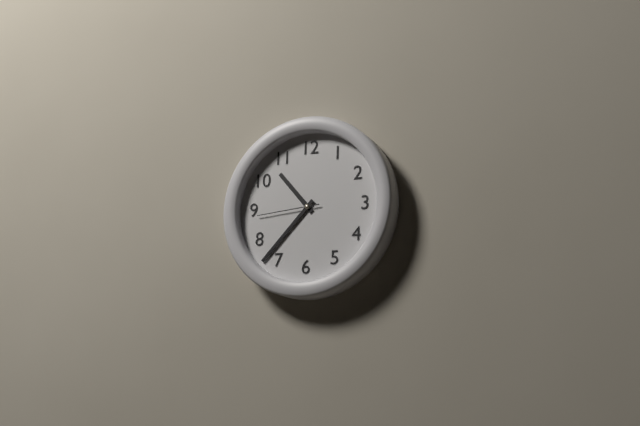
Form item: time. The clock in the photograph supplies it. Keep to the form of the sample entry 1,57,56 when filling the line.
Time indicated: 10,37,44
